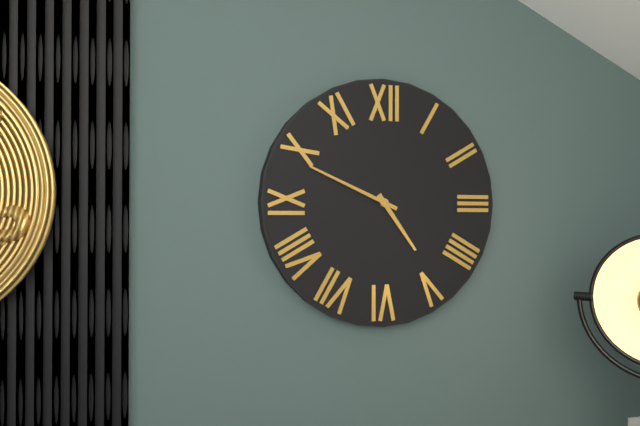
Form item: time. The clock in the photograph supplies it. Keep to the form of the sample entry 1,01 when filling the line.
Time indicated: 4,49
